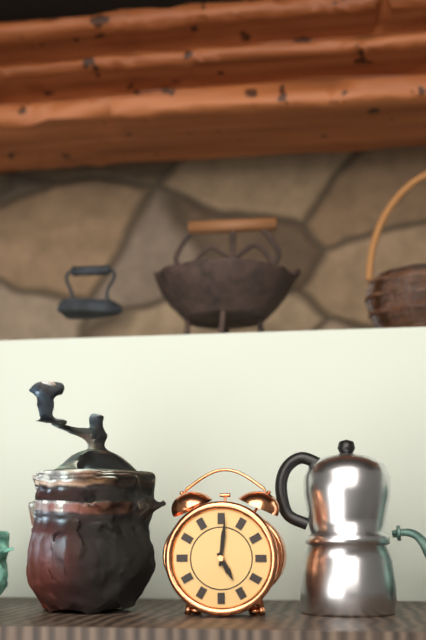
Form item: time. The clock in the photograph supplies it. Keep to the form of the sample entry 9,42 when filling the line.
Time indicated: 5,01
